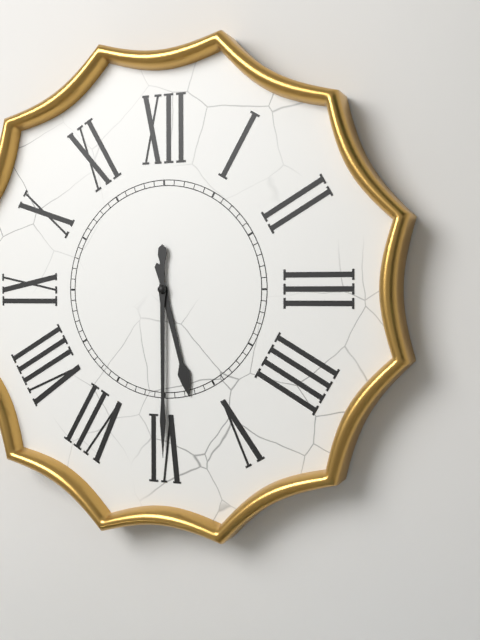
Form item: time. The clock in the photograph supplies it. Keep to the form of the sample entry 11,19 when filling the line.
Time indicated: 5,30
